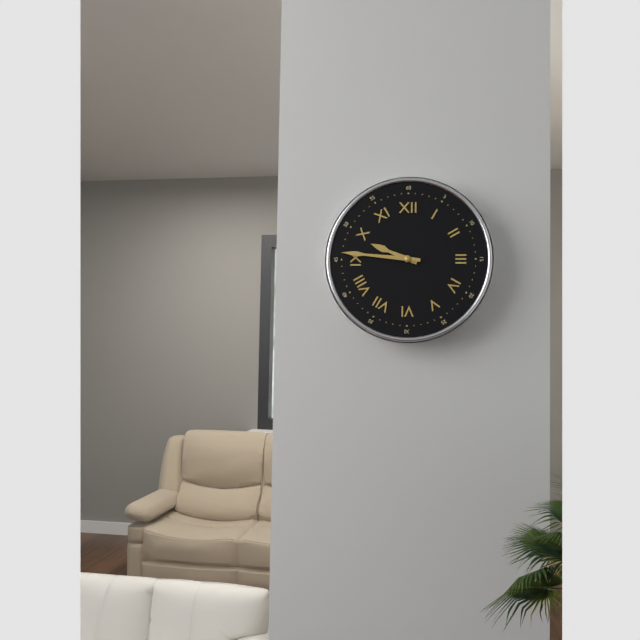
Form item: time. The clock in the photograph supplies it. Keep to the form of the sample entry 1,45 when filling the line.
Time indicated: 9,46
